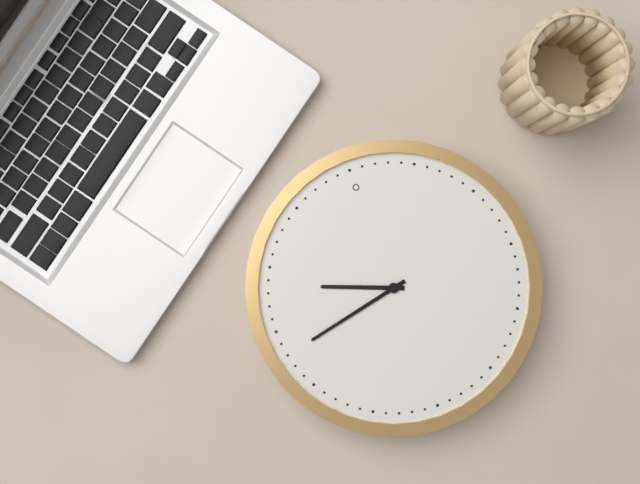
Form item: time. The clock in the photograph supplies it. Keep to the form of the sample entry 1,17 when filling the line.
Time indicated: 9,43
